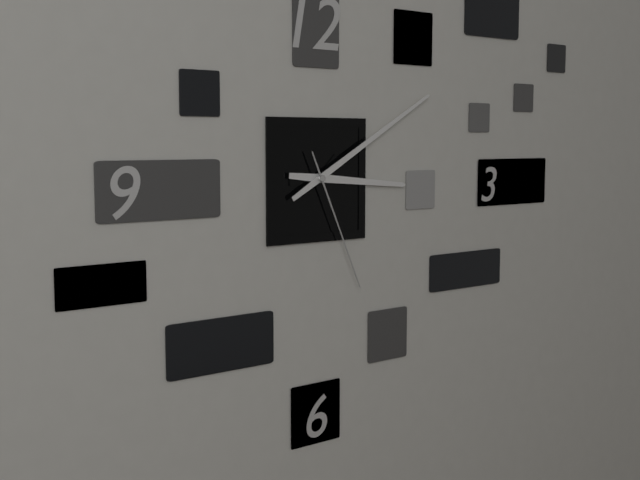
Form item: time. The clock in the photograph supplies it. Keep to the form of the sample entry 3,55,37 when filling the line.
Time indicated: 3,10,26
